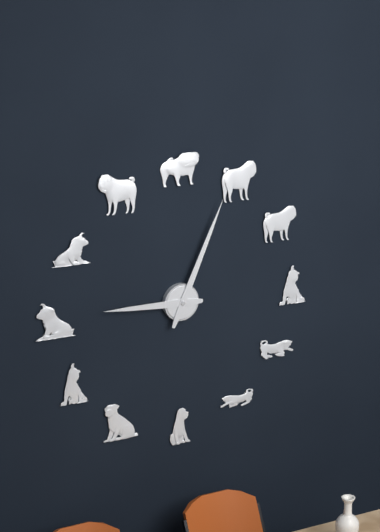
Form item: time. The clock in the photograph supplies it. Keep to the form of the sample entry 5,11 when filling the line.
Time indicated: 9,04
